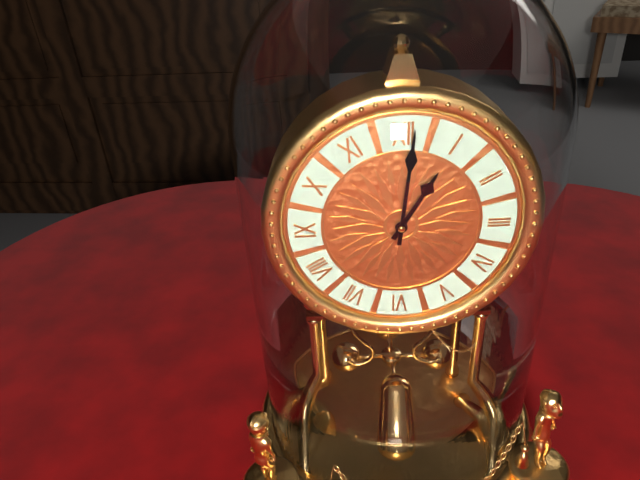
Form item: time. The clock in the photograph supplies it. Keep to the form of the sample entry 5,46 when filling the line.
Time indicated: 1,01
